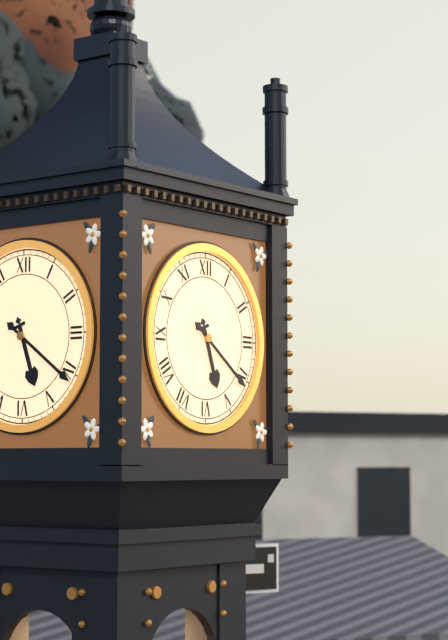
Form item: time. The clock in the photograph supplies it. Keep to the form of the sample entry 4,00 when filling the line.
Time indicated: 5,21
